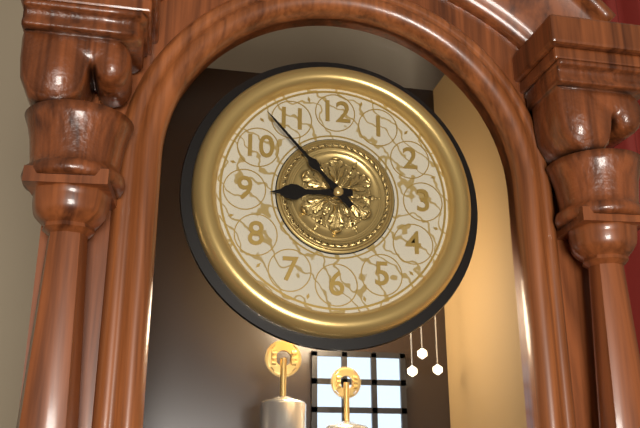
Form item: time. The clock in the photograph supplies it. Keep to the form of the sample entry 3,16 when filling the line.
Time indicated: 8,53
